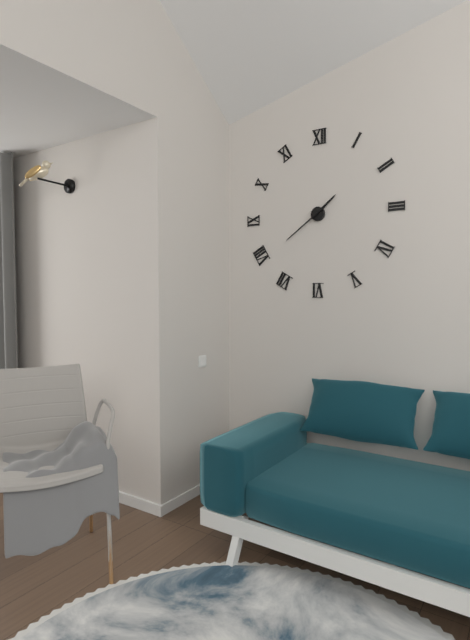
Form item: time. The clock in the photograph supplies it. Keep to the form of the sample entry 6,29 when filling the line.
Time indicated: 1,39
